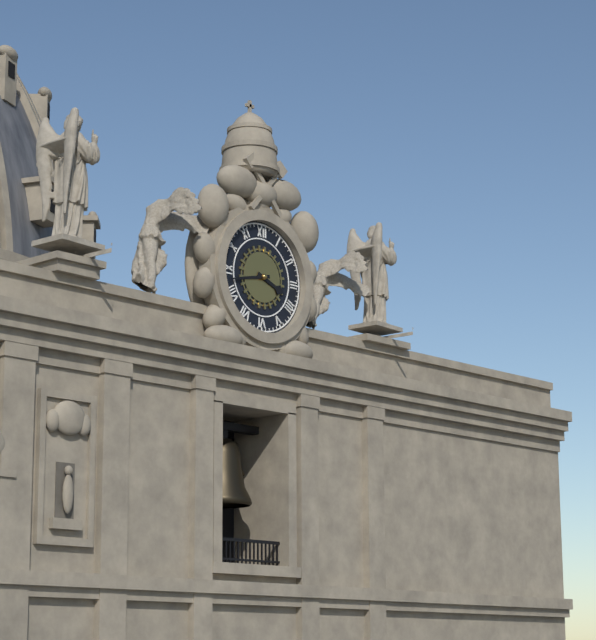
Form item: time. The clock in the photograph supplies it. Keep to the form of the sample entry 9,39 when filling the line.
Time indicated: 3,43
